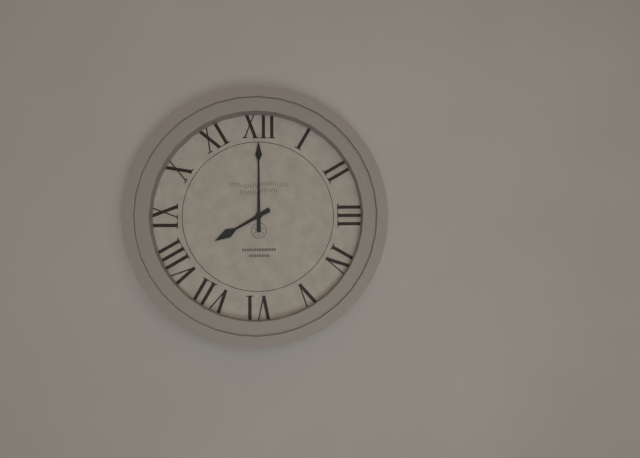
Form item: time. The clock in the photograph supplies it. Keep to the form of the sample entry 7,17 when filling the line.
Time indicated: 8,00
